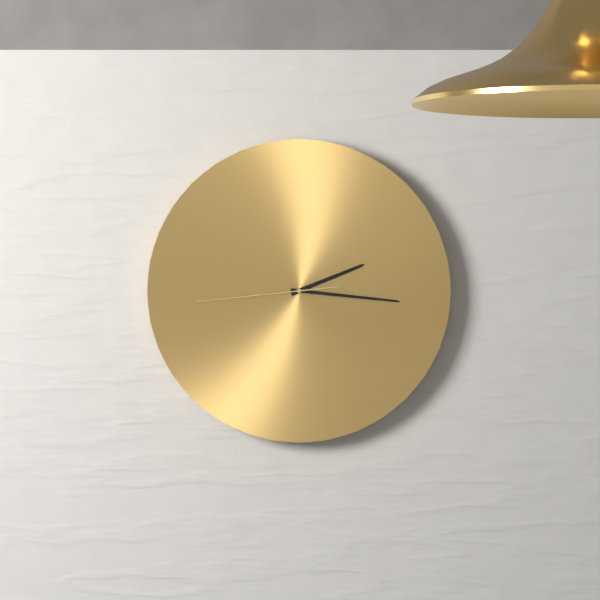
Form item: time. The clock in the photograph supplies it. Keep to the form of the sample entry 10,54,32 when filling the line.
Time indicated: 2,16,44
